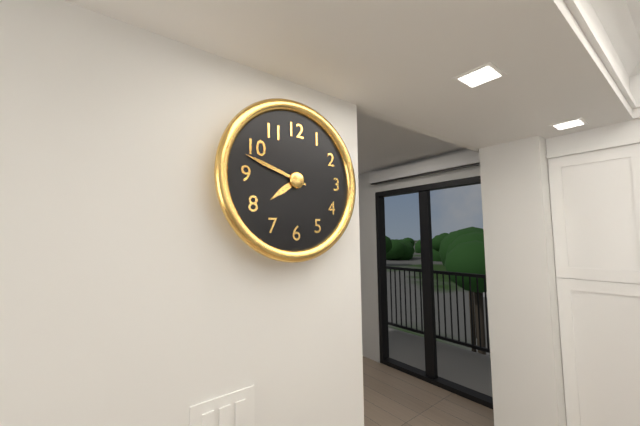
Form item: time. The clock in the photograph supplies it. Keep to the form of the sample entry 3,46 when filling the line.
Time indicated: 7,48
